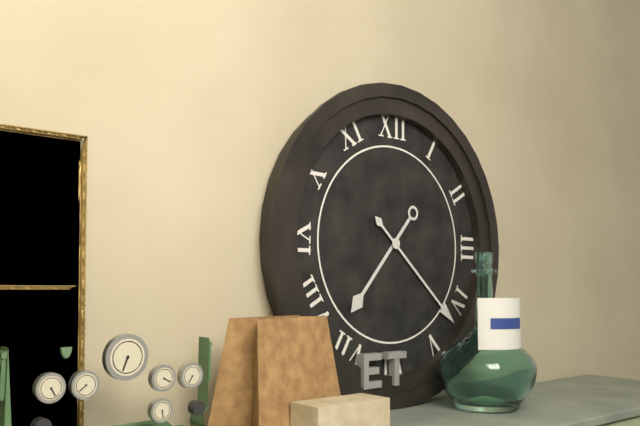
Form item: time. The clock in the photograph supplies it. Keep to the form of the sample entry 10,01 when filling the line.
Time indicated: 7,22
